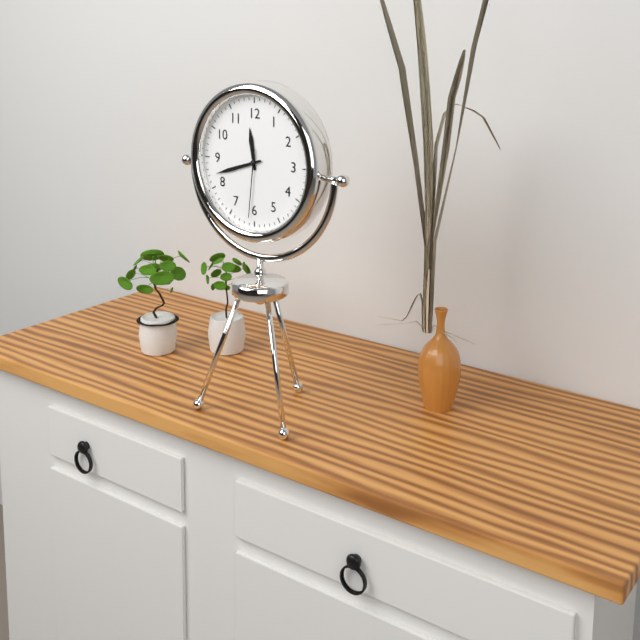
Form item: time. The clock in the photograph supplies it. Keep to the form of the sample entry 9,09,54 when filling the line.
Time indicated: 11,42,31
